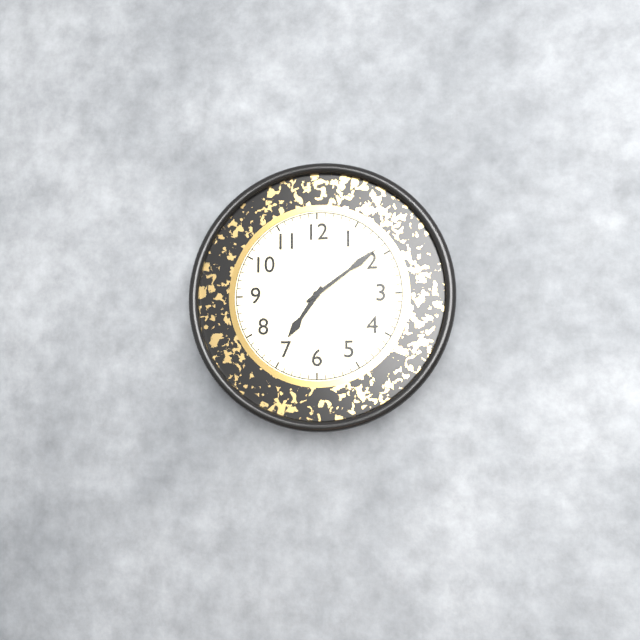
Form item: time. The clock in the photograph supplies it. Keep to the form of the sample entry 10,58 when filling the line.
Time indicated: 7,09
